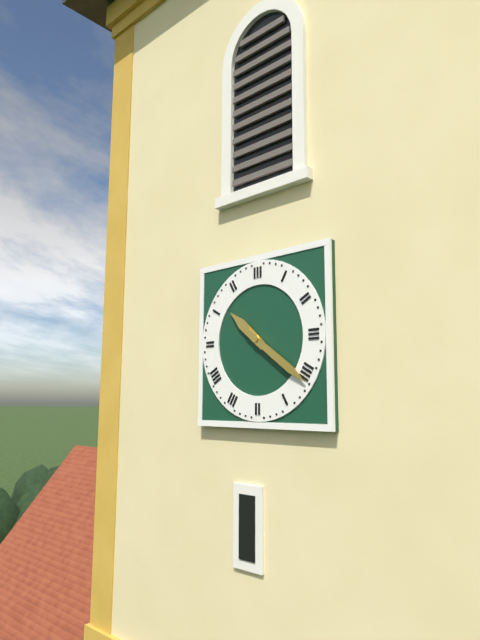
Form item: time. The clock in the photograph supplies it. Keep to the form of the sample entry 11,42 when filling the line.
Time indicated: 10,21
